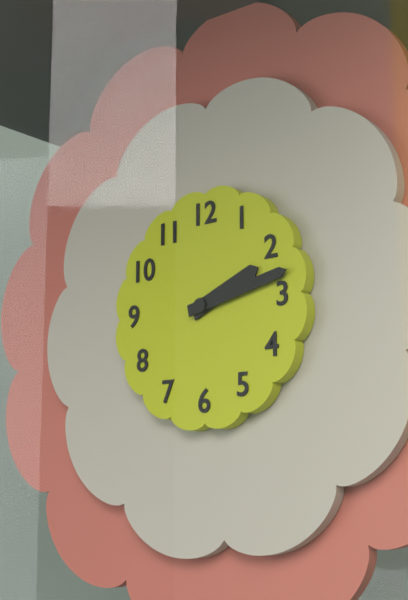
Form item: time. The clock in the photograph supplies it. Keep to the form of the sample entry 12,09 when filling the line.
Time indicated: 2,13
